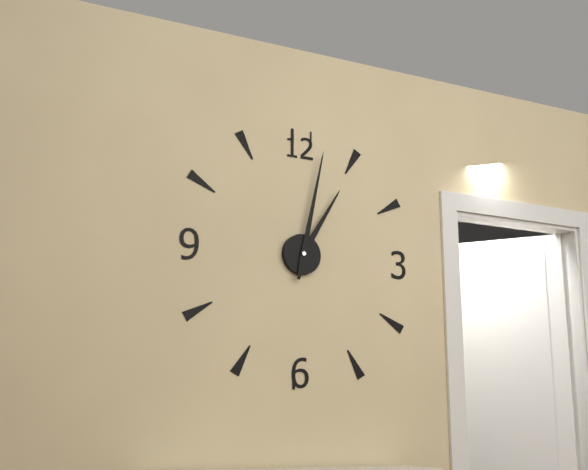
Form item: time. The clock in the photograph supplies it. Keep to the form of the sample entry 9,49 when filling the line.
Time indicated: 1,02
